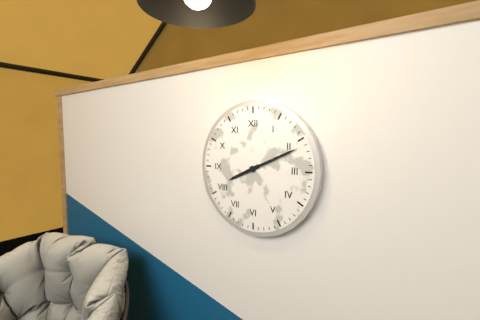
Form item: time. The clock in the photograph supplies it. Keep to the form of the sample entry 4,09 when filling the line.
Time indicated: 8,11
